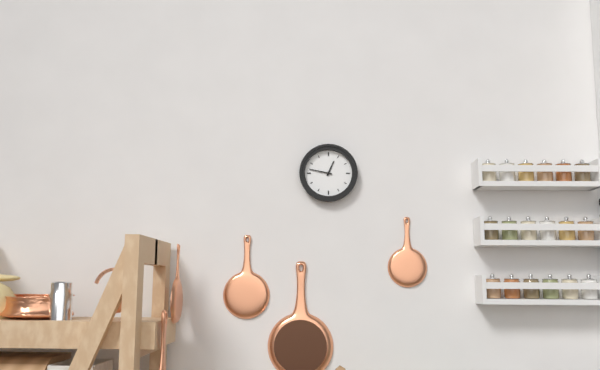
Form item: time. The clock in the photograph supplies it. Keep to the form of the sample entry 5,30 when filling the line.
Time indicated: 12,47
